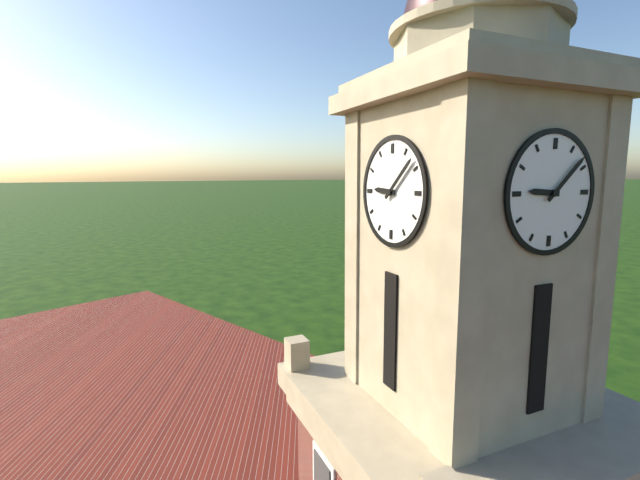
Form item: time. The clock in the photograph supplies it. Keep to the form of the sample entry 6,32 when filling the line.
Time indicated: 9,08
